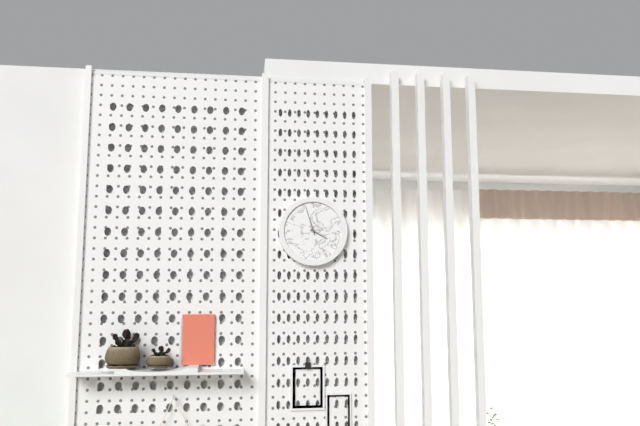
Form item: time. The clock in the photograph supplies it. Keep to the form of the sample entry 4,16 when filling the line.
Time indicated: 3,57
